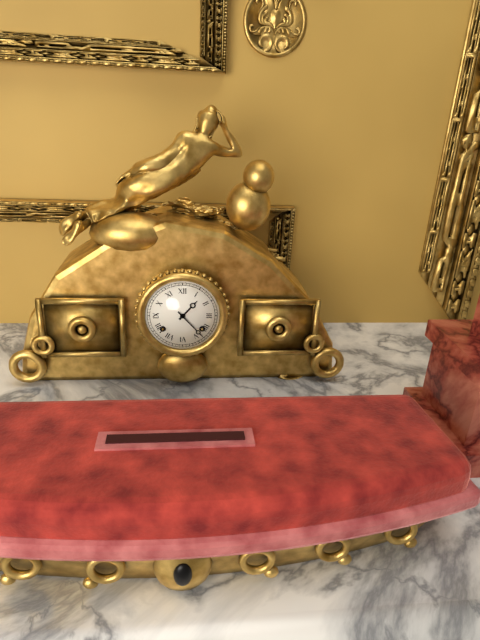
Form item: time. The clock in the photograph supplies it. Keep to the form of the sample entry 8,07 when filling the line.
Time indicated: 1,23
